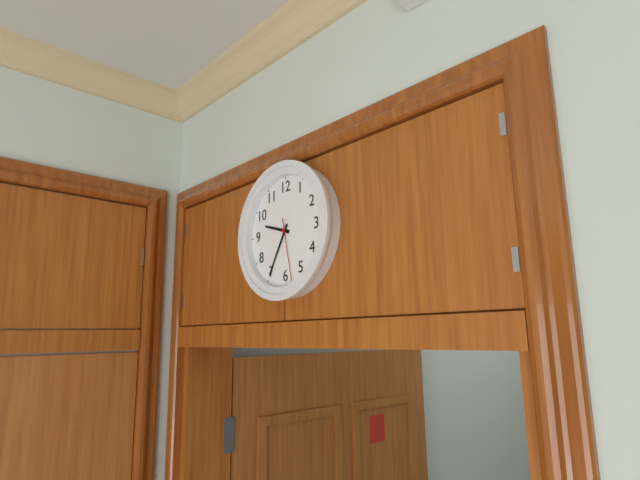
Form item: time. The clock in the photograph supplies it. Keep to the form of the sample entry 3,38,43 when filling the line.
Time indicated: 9,35,28
